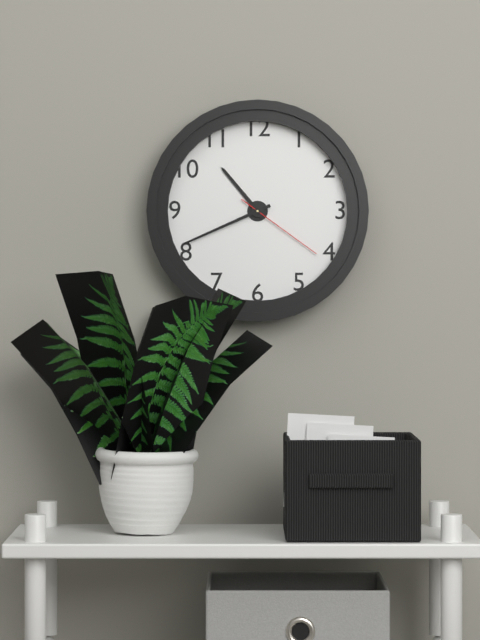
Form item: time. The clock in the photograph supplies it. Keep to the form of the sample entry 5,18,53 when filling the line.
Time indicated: 10,41,21
